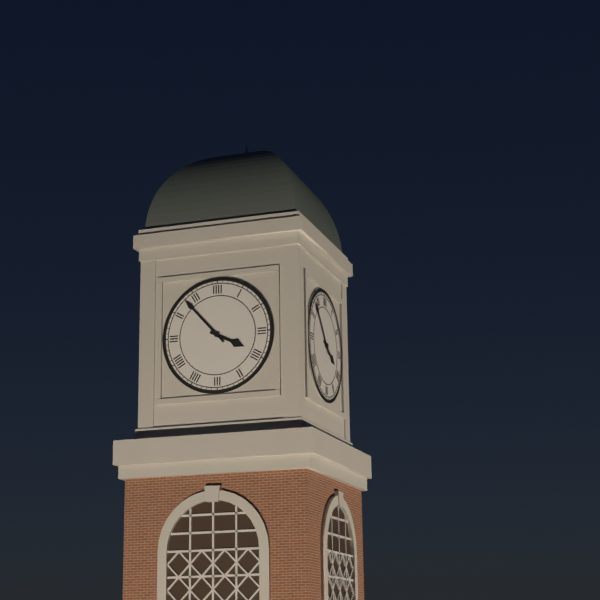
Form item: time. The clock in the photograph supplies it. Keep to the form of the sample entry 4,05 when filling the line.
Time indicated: 3,53
